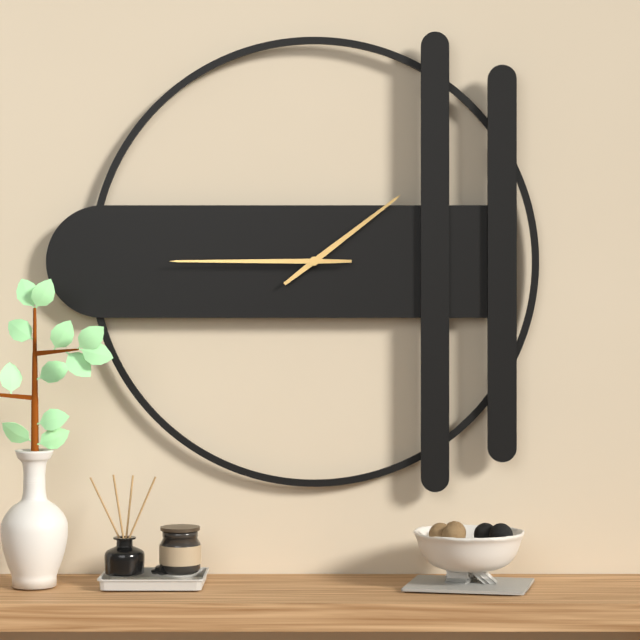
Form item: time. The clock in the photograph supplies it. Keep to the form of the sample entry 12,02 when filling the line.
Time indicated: 1,45
